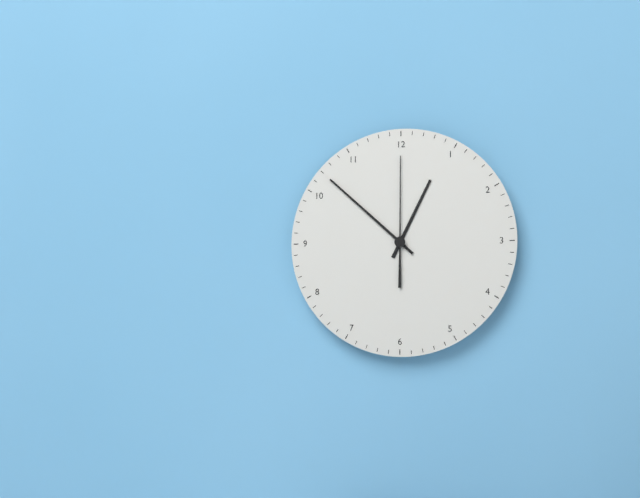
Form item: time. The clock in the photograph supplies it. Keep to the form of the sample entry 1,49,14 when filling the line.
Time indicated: 12,52,00
